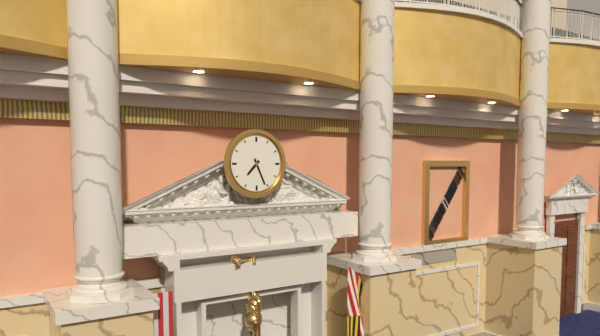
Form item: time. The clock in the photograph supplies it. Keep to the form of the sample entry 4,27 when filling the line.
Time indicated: 7,26
